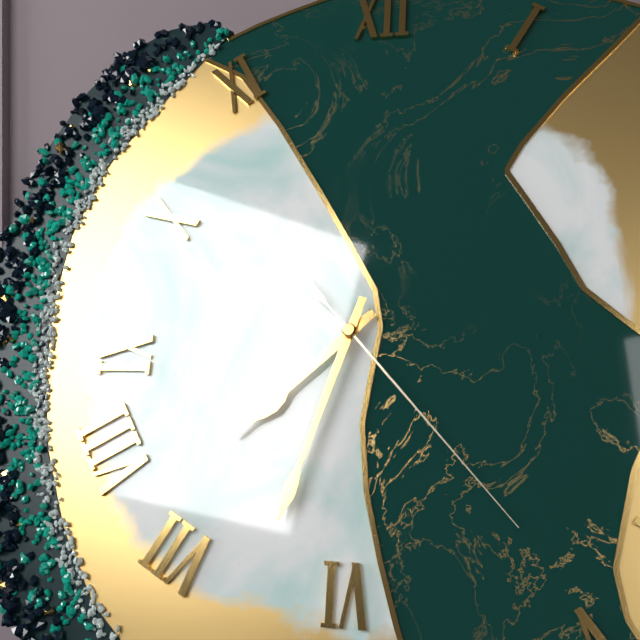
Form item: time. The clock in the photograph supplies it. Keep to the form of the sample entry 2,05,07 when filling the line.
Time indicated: 7,33,23
